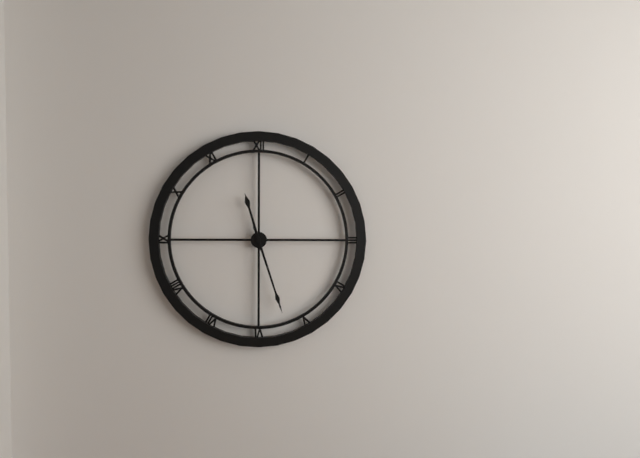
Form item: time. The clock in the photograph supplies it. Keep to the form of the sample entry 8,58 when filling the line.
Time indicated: 11,27
